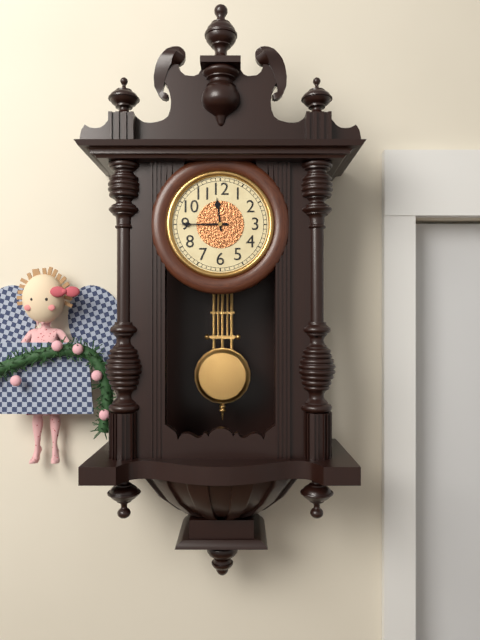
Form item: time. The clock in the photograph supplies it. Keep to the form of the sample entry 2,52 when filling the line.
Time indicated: 11,45
